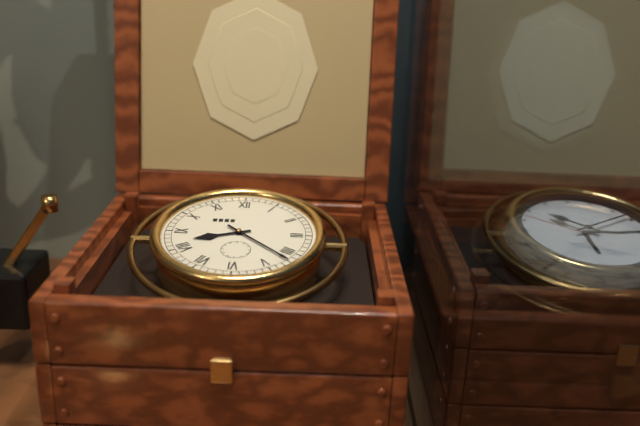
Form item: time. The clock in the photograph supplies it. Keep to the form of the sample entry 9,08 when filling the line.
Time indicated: 8,22
